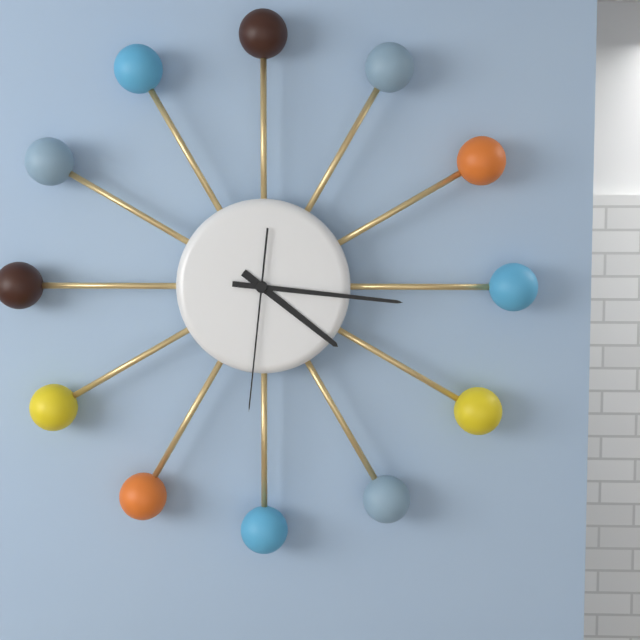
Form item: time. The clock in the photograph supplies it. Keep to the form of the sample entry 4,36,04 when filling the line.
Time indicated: 4,16,31
